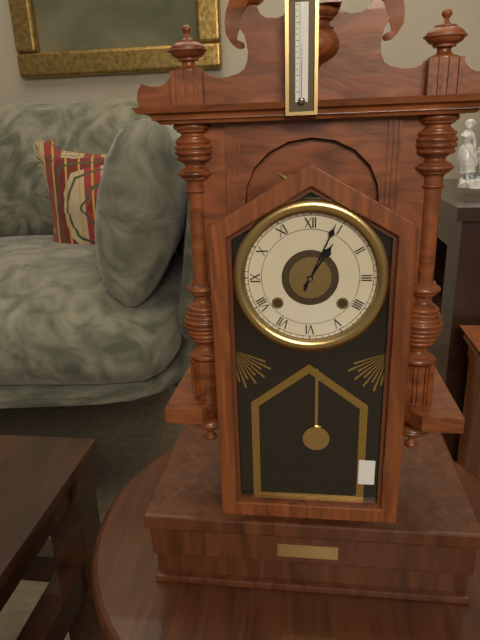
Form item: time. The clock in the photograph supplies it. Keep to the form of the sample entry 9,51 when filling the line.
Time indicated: 1,04
